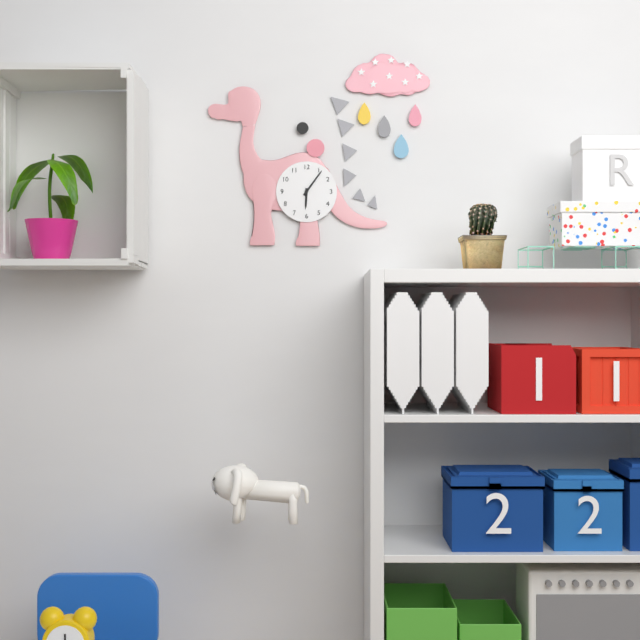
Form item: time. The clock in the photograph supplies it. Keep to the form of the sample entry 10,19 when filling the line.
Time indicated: 6,06
